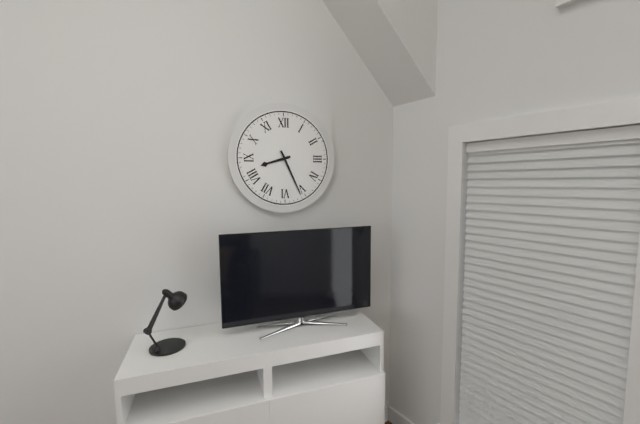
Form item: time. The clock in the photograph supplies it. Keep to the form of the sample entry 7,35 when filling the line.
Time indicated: 8,26
